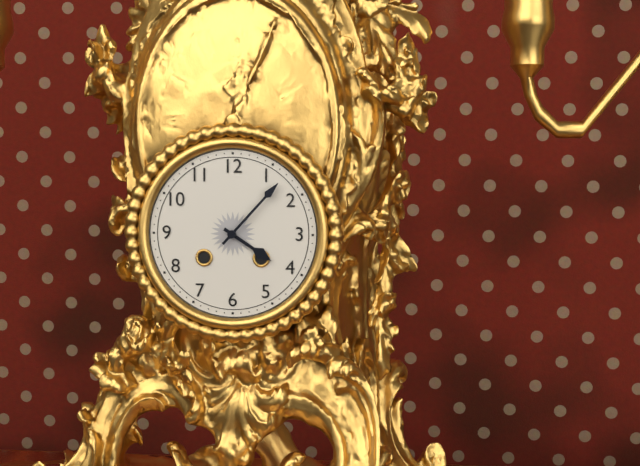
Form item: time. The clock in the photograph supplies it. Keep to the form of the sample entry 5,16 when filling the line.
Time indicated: 4,07
